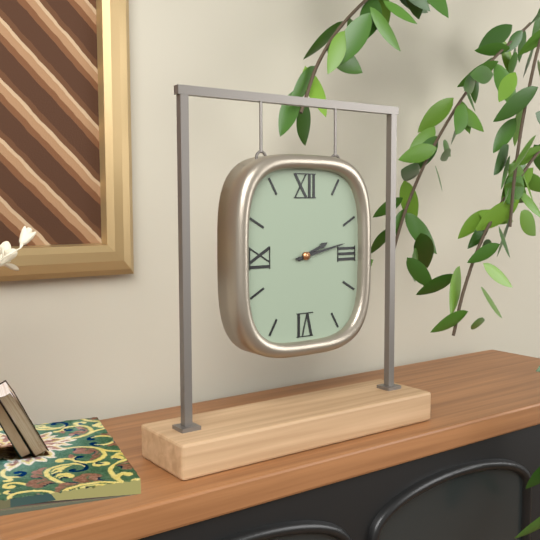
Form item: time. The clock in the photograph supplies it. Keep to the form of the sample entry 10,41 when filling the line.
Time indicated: 2,13
